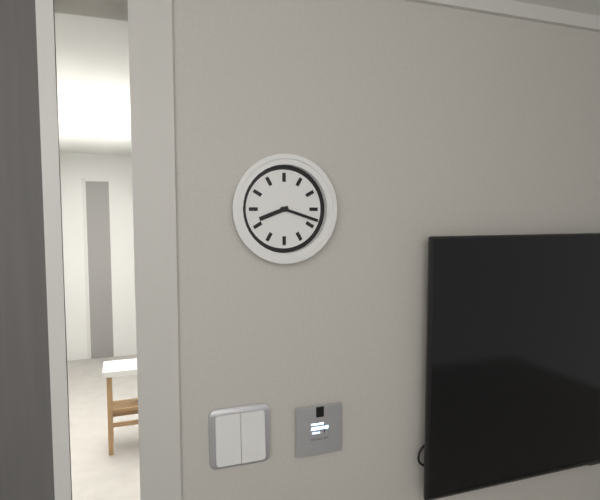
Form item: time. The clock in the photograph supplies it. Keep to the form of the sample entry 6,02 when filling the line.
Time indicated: 8,18
